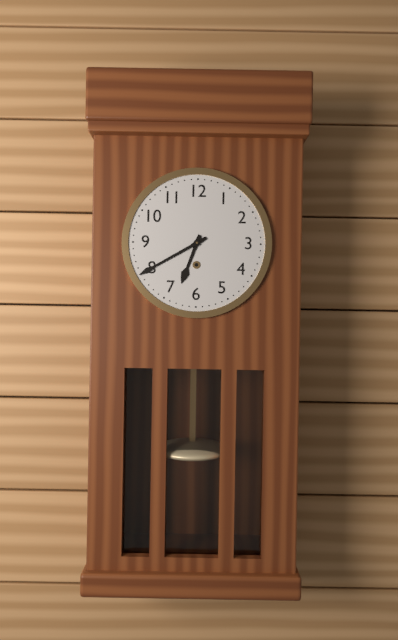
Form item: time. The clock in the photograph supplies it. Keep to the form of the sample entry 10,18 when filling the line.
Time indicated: 6,40
